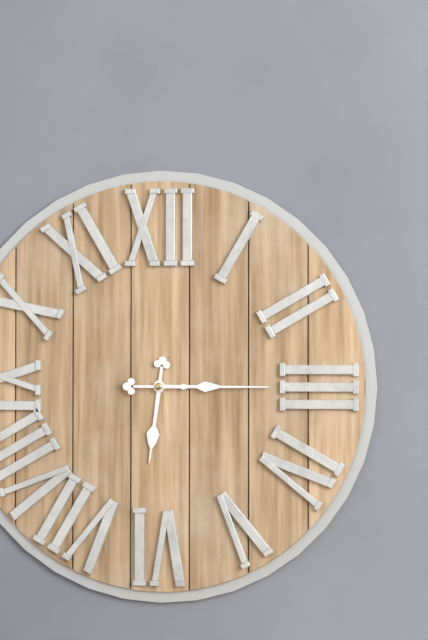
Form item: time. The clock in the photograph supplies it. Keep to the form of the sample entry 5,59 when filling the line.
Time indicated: 6,15
